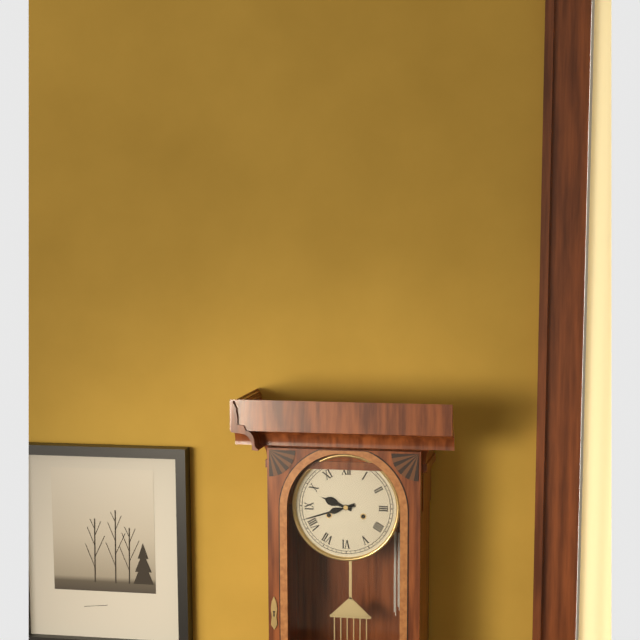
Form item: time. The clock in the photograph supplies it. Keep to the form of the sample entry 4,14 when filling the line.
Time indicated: 9,42
